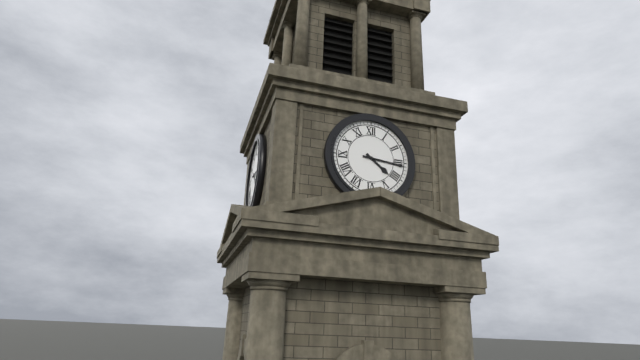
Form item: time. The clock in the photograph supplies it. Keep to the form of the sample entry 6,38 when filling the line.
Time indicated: 4,16
